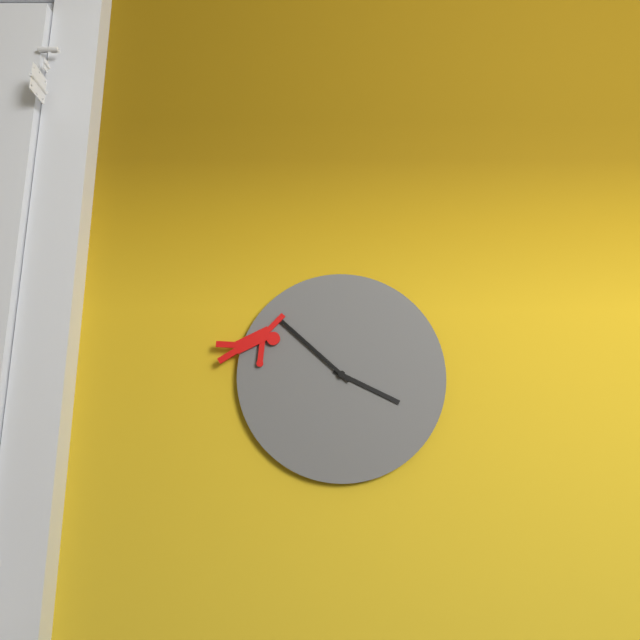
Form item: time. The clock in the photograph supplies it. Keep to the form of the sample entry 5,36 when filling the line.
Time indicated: 3,52
